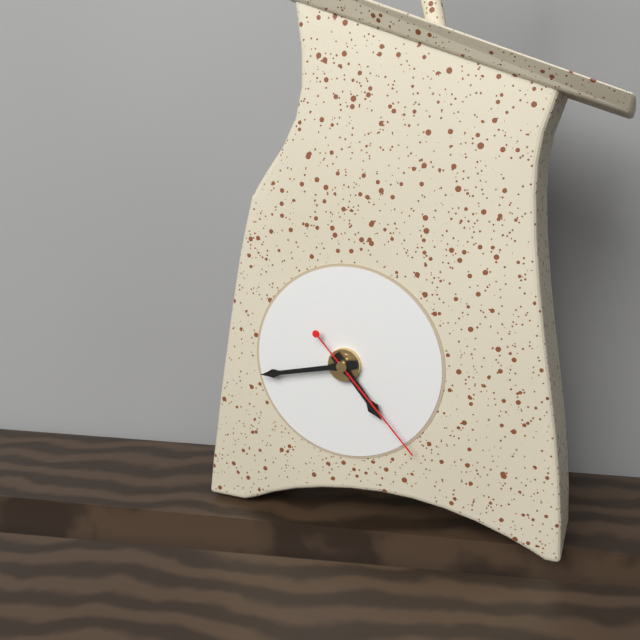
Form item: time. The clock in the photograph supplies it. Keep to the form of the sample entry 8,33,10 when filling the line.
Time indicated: 4,43,23
